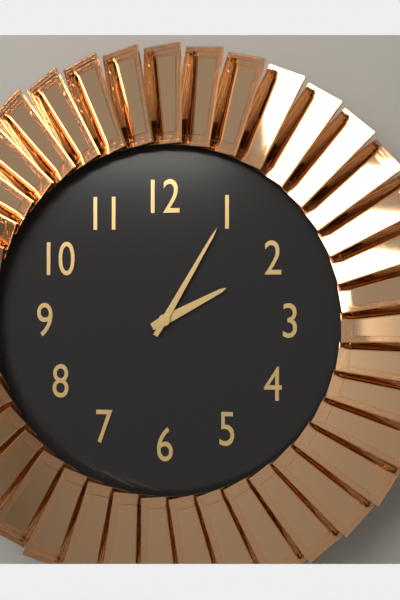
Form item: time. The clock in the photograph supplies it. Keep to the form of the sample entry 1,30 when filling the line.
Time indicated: 2,05
